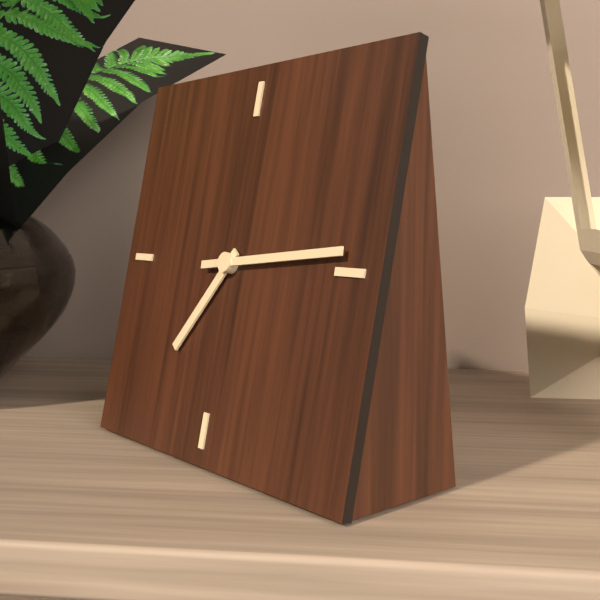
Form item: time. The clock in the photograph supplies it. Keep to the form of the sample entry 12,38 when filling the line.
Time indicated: 7,14
